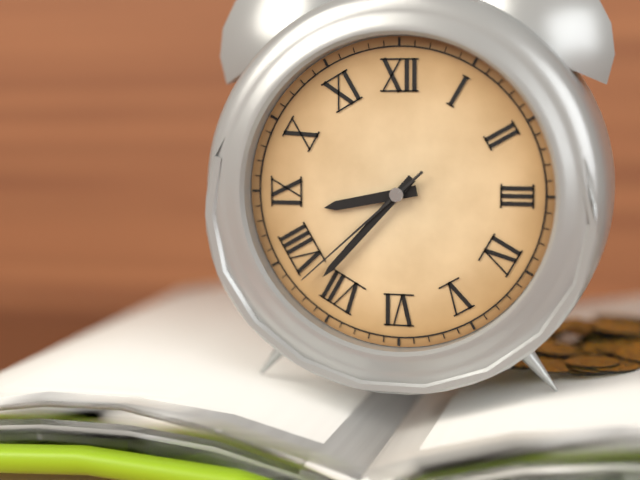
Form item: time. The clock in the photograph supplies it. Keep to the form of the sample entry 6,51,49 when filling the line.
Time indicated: 8,37,38
